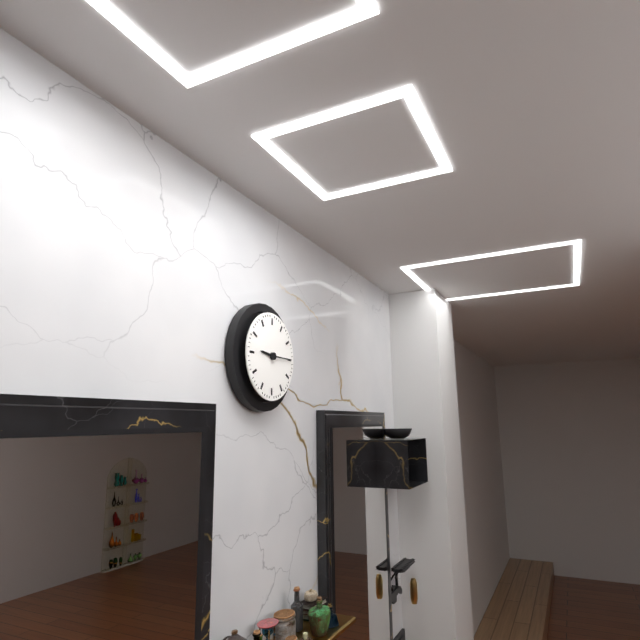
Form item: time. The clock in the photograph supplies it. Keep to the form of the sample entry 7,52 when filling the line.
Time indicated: 9,15
